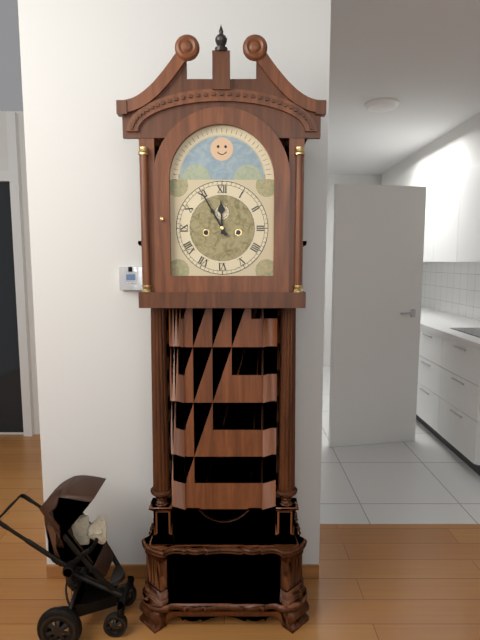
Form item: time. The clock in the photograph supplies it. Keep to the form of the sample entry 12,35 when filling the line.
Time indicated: 11,55
